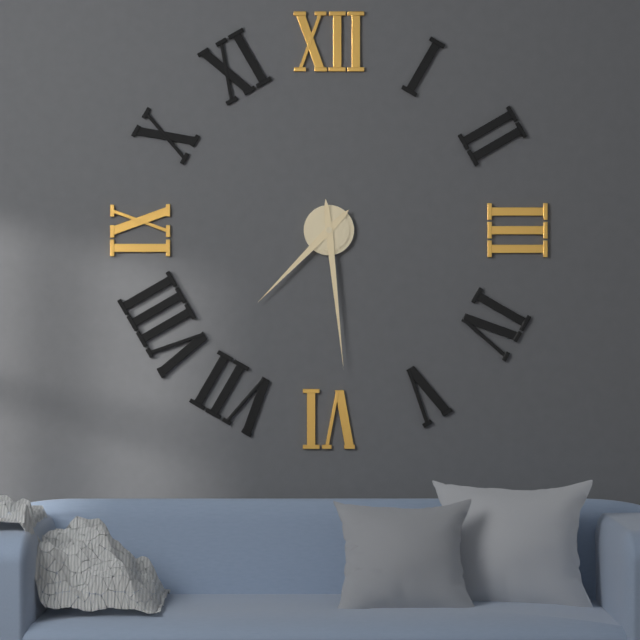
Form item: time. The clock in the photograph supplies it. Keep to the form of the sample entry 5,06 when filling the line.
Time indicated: 7,29
